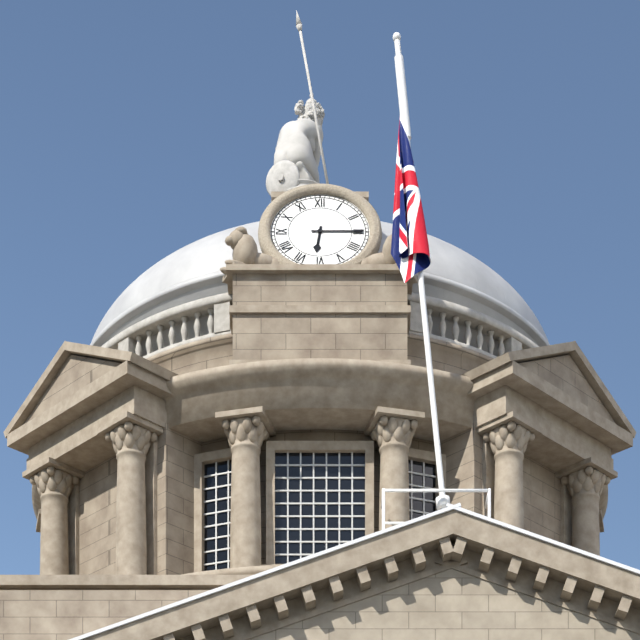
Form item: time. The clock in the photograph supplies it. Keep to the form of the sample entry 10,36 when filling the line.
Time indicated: 6,15
